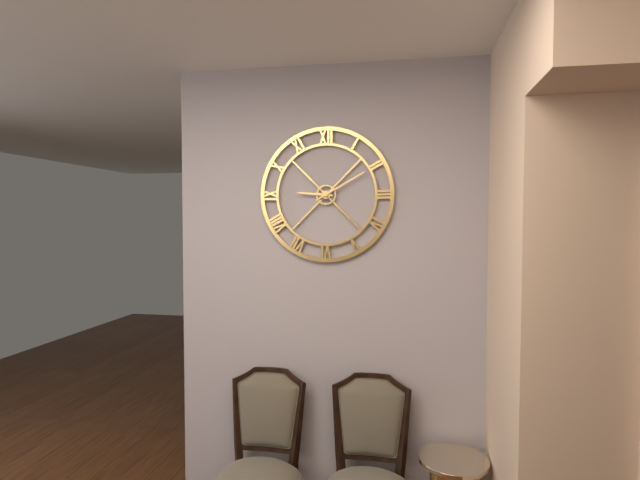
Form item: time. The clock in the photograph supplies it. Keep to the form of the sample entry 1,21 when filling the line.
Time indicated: 9,10
